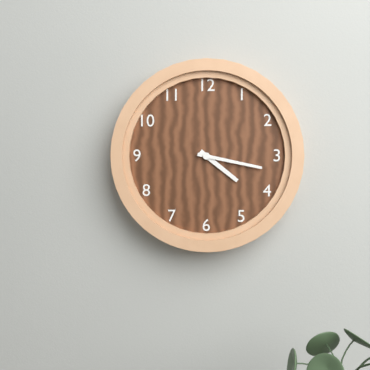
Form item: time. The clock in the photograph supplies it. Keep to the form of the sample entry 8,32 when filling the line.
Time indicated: 4,17
